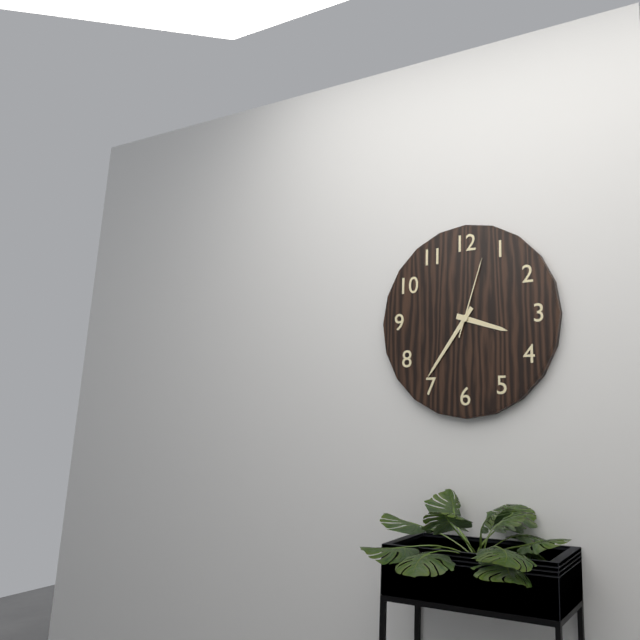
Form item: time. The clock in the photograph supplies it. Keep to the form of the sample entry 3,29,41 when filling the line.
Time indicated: 3,36,03
